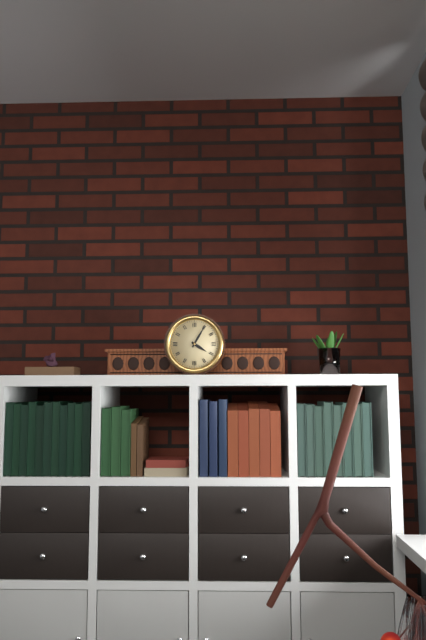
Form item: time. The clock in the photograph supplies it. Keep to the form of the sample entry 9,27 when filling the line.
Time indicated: 4,05
